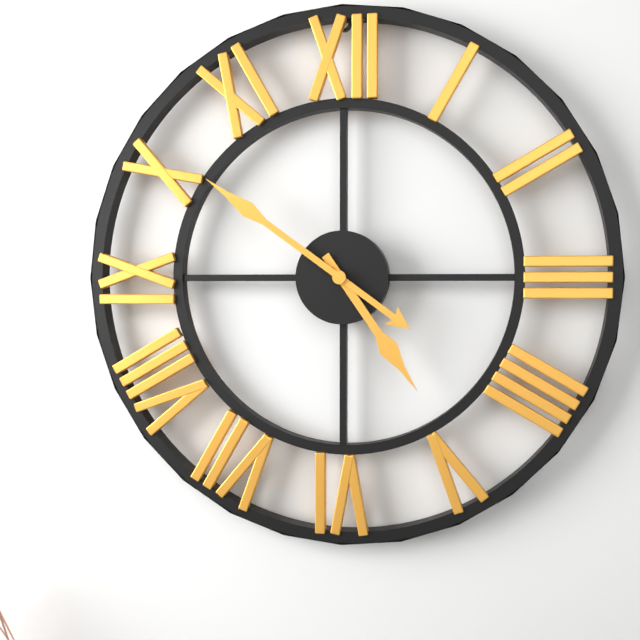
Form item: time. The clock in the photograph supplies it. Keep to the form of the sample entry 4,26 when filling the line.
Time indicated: 4,51
